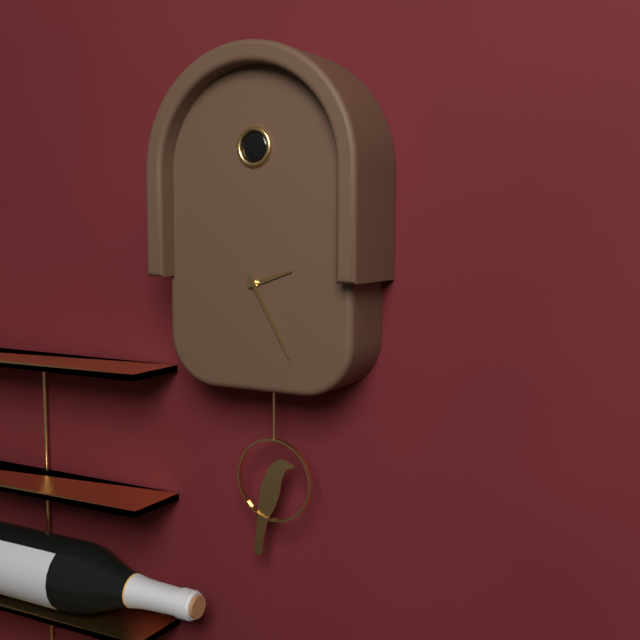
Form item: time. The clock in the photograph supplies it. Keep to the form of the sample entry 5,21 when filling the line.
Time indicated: 2,25
